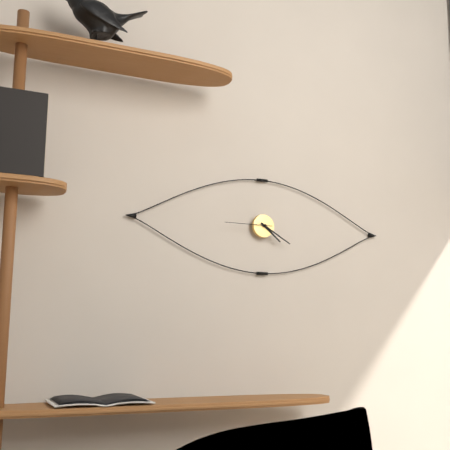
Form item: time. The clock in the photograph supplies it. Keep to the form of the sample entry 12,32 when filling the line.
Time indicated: 4,20
